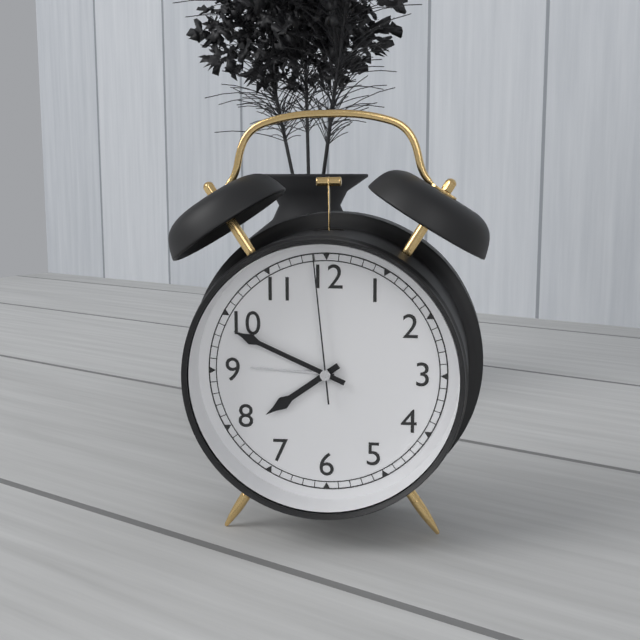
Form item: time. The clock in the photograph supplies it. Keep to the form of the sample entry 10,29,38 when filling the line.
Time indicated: 7,49,59
